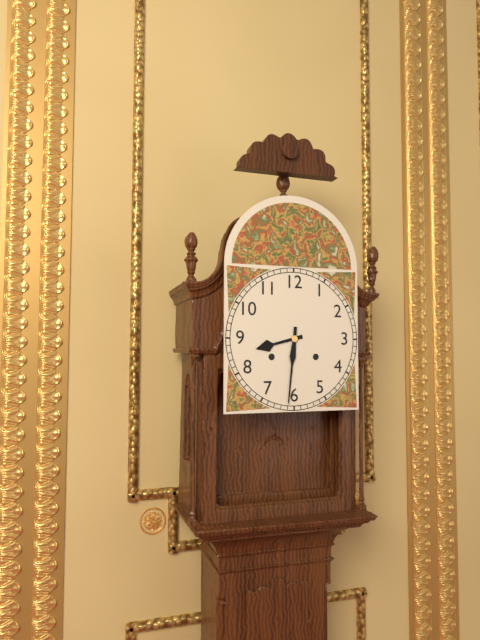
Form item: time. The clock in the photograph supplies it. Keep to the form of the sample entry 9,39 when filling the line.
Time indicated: 8,31
